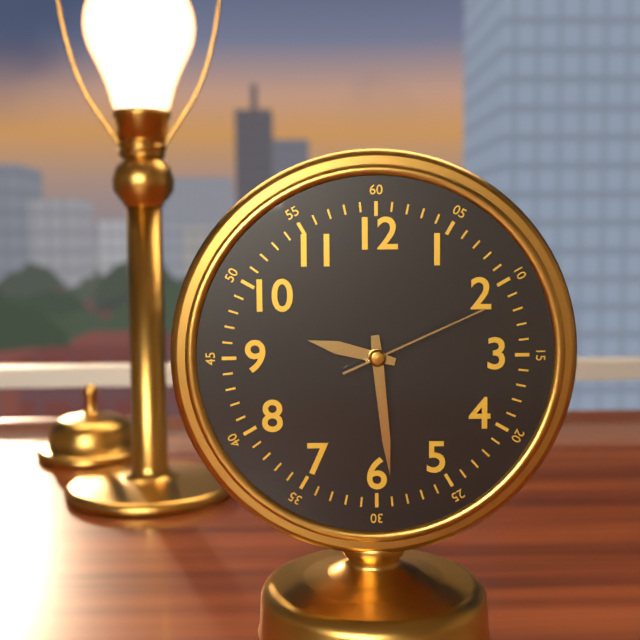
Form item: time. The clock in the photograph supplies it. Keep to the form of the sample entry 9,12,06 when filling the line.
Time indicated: 9,29,11
